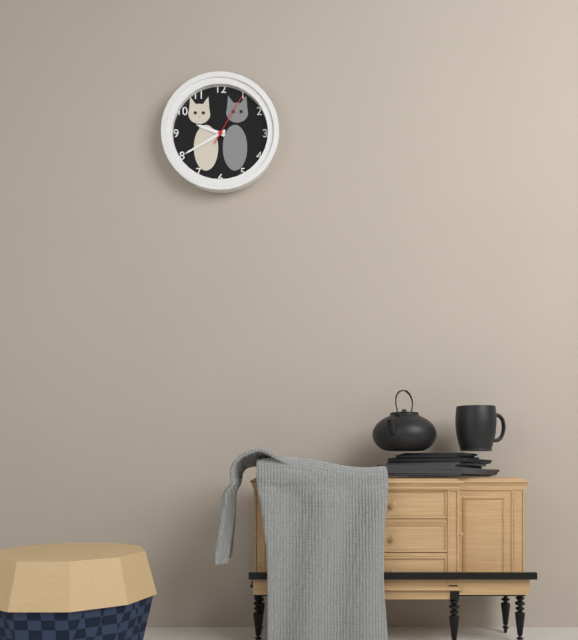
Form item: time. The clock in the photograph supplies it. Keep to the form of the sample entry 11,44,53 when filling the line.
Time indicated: 9,40,05
